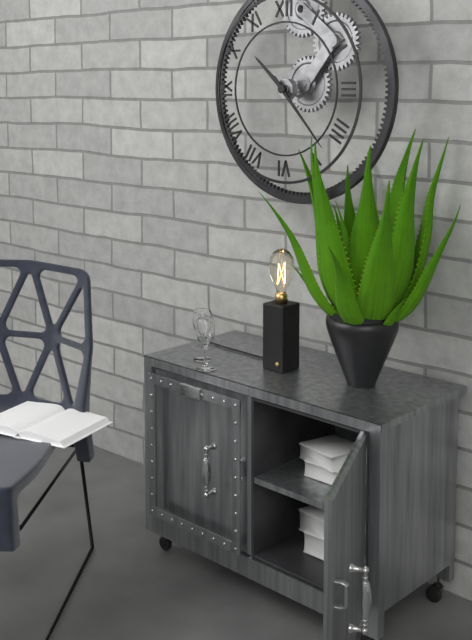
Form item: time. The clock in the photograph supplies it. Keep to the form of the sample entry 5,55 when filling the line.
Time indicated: 10,23
